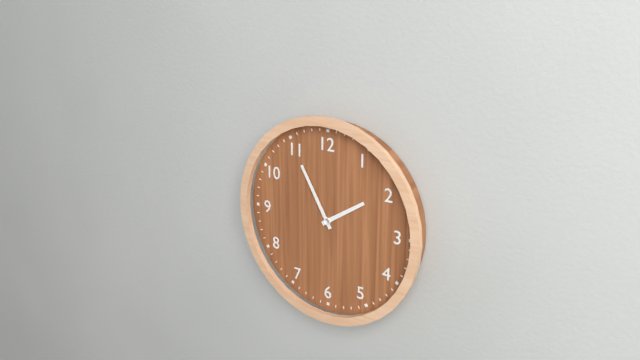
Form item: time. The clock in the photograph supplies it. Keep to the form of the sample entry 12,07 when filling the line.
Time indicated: 1,55
